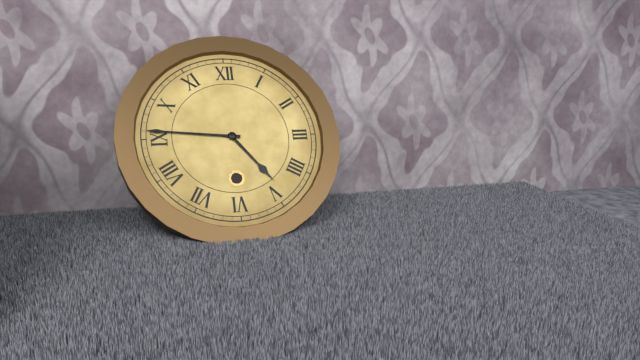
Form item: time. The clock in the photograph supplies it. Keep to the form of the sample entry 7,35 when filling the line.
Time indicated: 4,46
